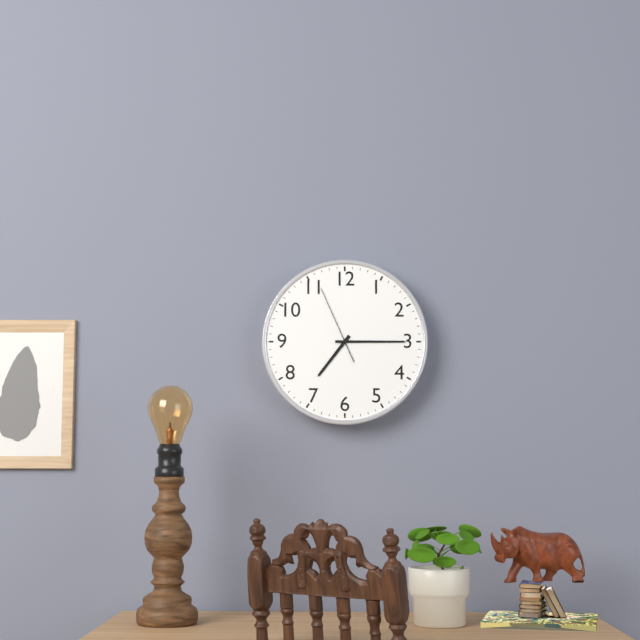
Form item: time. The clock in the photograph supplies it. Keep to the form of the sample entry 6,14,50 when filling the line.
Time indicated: 7,15,56
